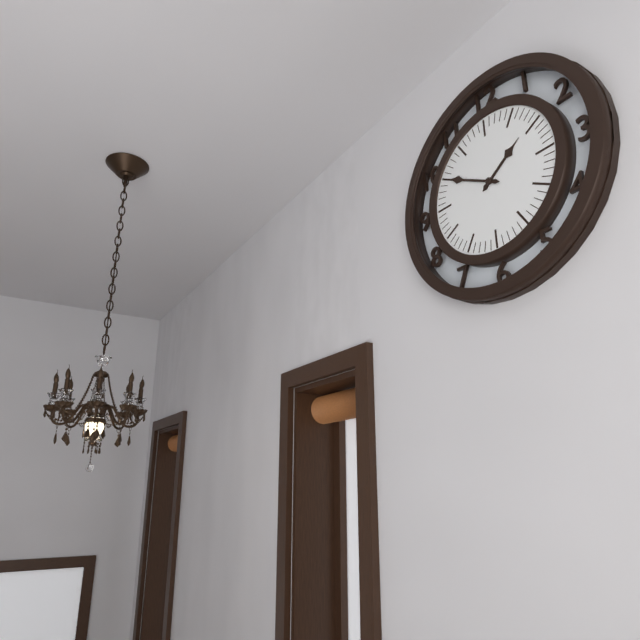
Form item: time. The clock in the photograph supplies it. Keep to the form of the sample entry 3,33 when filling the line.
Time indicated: 1,50
